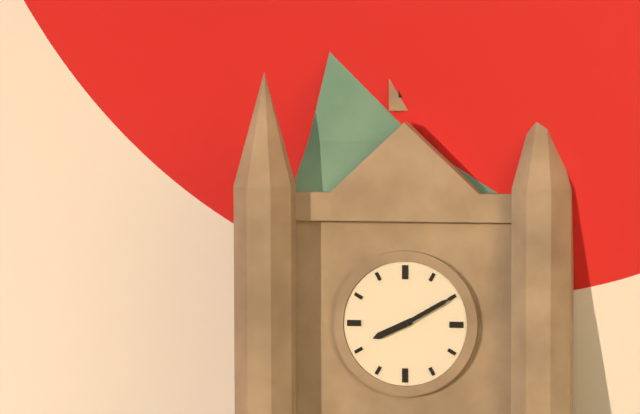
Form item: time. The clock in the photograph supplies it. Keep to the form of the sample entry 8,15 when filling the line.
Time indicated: 8,10
